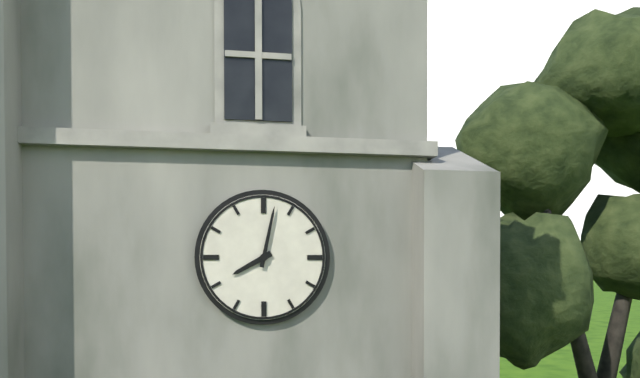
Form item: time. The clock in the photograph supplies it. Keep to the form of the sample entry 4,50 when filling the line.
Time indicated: 8,02
